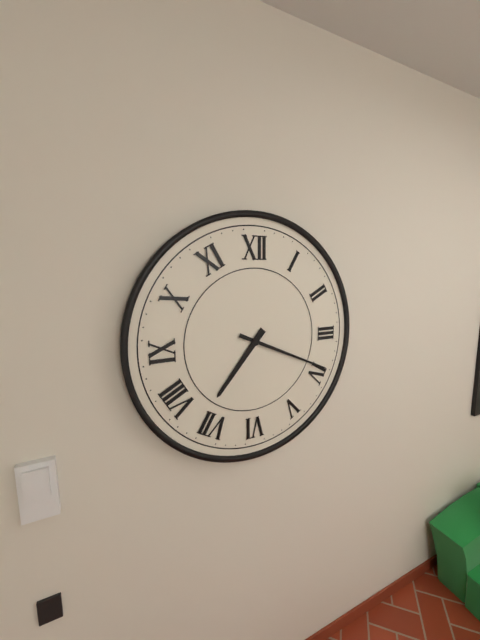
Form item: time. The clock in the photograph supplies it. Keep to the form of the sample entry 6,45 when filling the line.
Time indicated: 7,19
